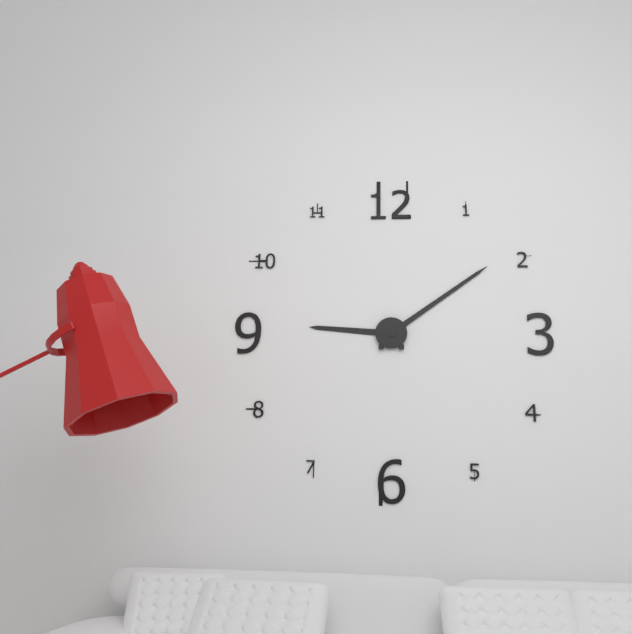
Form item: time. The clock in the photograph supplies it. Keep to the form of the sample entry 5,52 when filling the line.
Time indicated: 9,09
